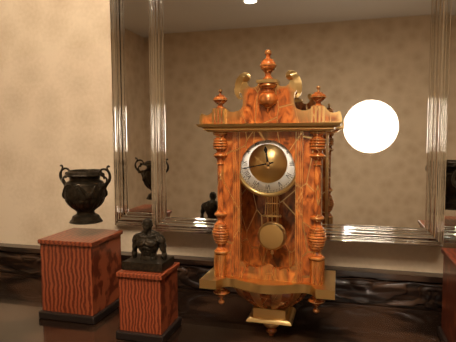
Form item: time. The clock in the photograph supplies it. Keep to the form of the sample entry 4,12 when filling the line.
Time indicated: 11,43
